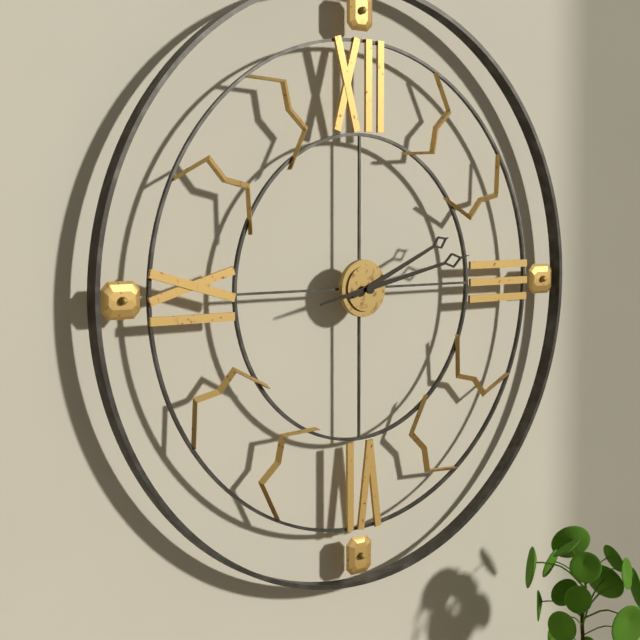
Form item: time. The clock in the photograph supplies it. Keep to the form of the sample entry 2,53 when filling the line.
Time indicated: 2,13
